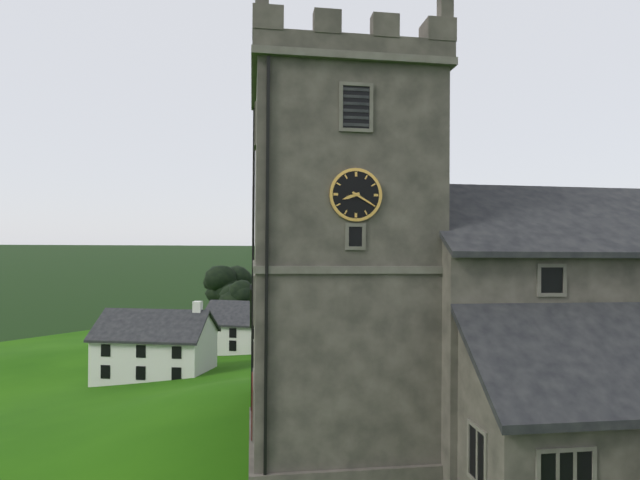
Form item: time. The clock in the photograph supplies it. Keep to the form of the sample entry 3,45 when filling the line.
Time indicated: 8,20
